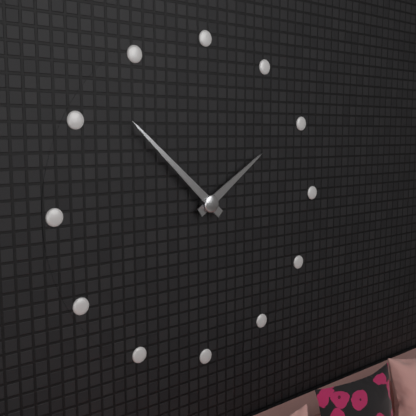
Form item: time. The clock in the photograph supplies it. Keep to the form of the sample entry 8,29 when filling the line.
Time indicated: 1,52
